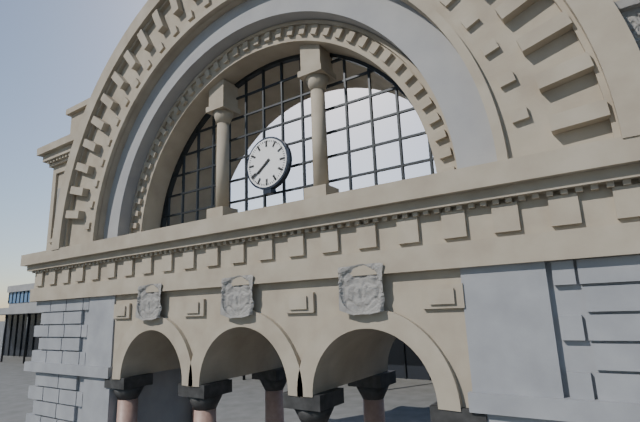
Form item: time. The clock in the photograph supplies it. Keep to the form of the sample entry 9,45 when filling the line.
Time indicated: 7,39
